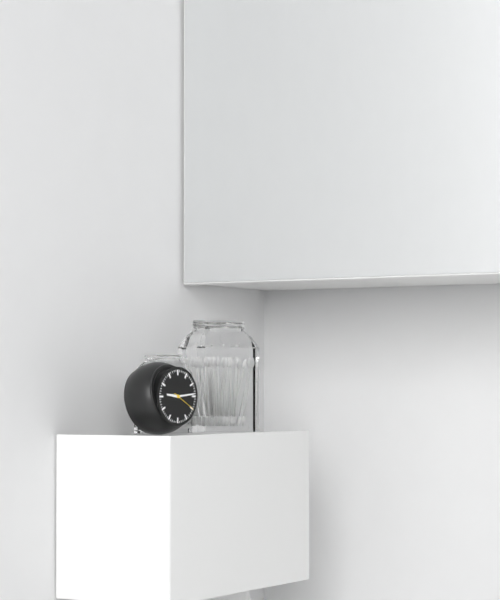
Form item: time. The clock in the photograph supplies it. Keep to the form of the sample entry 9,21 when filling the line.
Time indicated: 9,14
